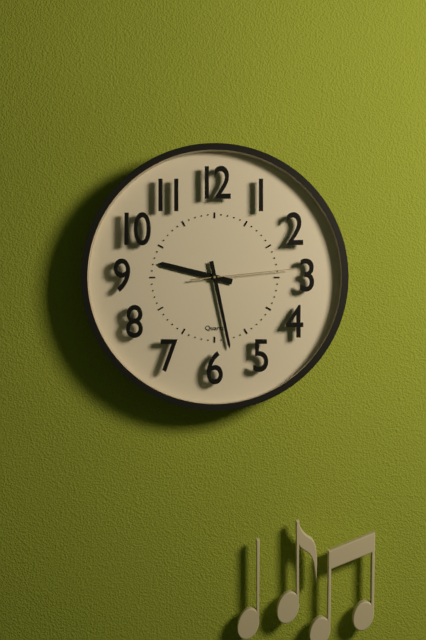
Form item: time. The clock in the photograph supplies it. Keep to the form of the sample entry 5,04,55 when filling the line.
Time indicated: 9,28,14
